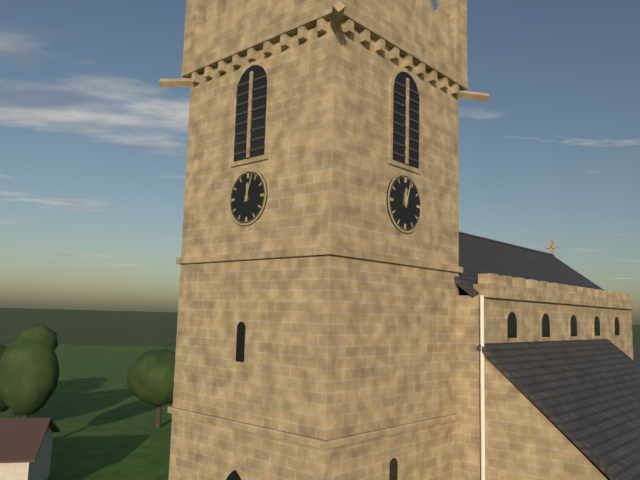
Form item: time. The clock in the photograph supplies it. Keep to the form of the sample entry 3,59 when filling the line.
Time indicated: 12,03
